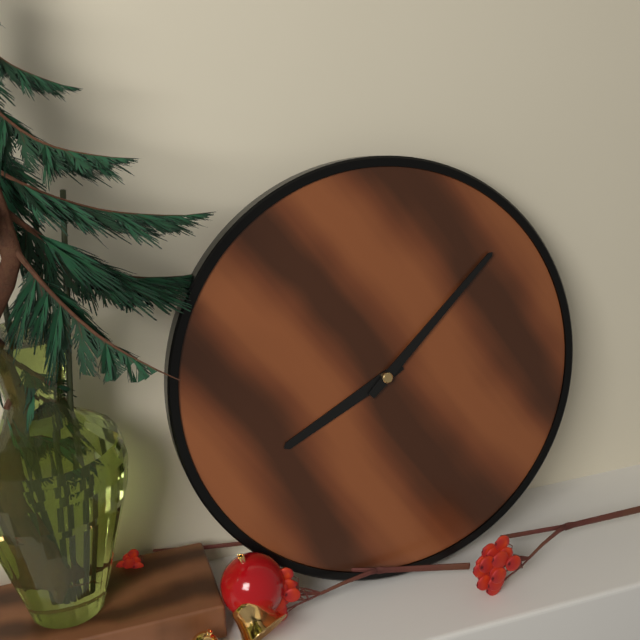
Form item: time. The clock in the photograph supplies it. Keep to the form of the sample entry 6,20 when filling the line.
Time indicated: 8,08
